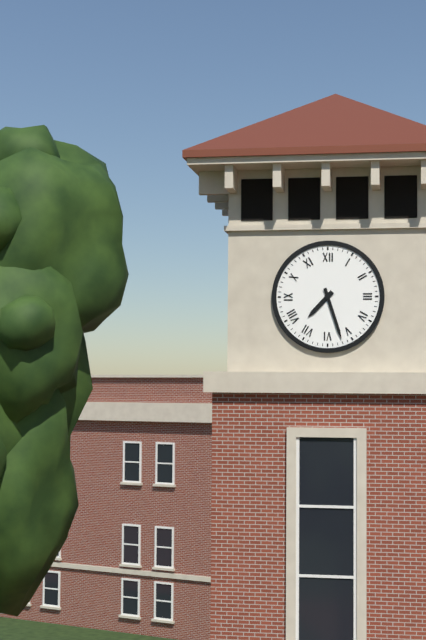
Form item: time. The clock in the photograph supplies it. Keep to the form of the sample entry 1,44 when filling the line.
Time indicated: 7,27
